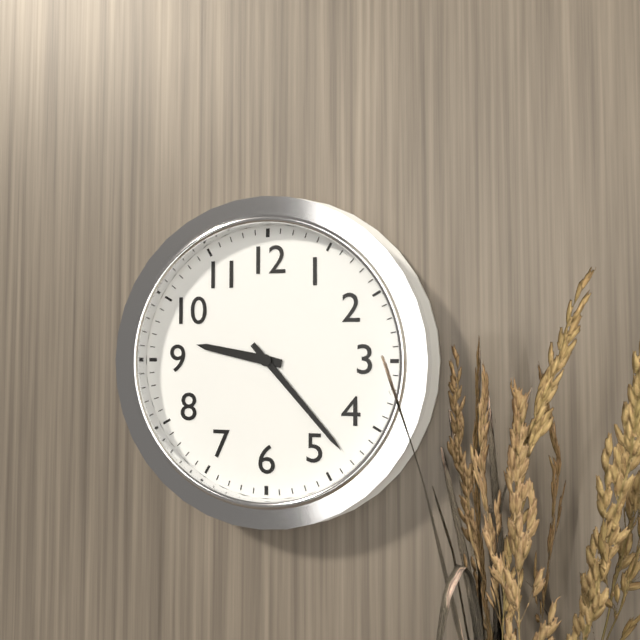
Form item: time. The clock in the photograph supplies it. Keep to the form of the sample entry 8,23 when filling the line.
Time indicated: 9,23
